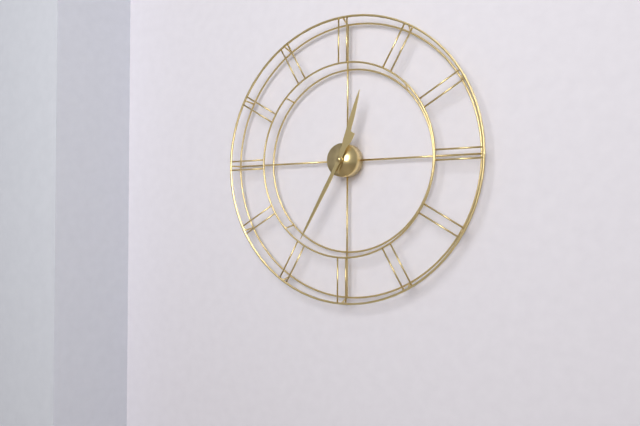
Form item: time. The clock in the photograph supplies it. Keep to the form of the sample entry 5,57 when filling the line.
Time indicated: 12,35
